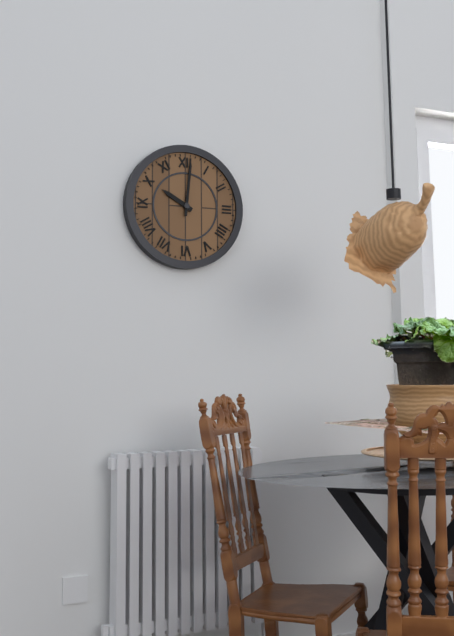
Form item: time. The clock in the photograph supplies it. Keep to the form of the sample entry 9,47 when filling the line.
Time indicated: 10,01
